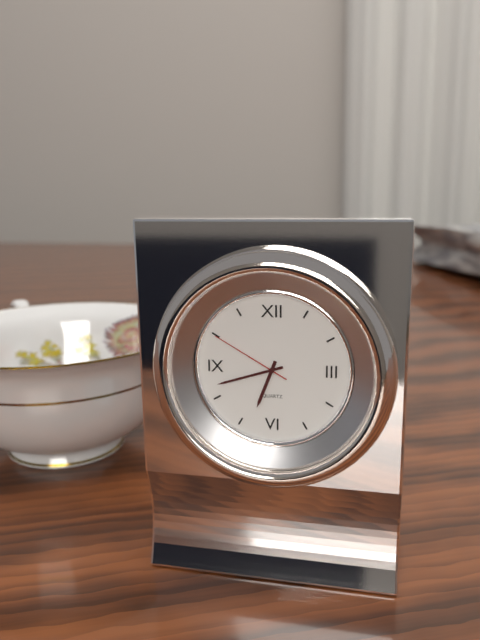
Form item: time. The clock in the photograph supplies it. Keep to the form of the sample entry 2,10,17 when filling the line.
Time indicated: 6,42,50
